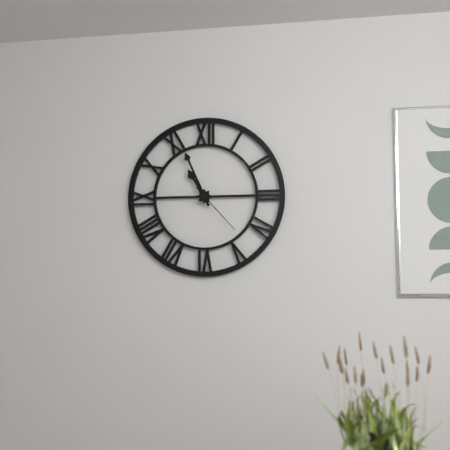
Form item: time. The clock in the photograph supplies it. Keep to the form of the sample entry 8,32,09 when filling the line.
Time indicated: 10,56,23
